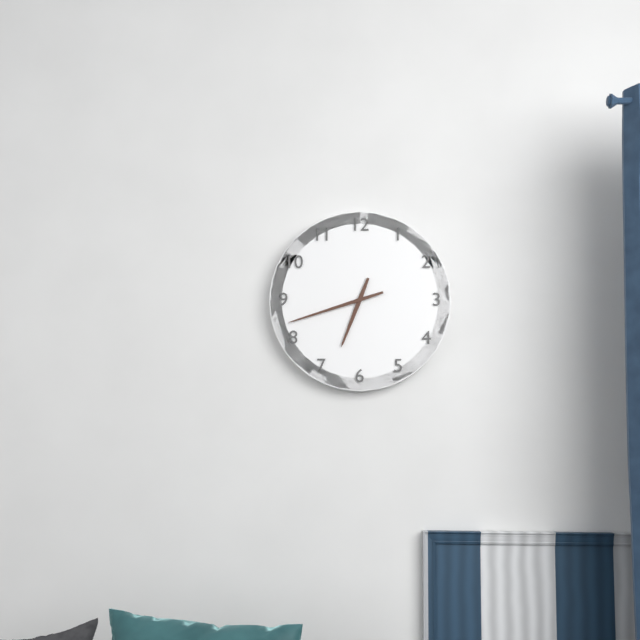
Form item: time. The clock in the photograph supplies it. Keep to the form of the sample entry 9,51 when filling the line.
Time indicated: 6,42
